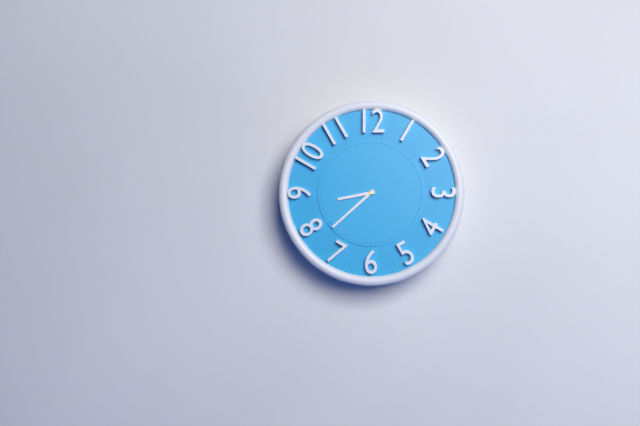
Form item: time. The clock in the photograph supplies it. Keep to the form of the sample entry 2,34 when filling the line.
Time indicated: 8,38
